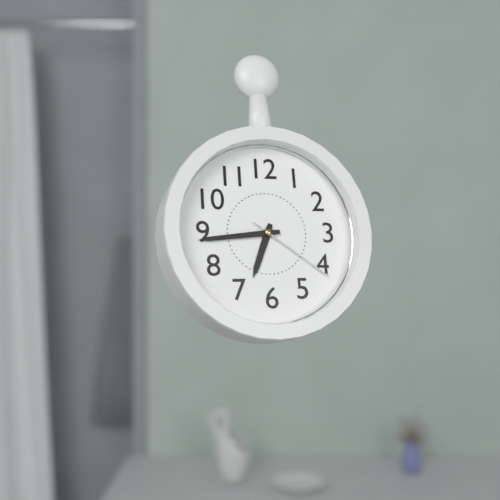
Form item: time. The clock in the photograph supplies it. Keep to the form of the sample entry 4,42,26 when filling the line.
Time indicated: 6,44,21
